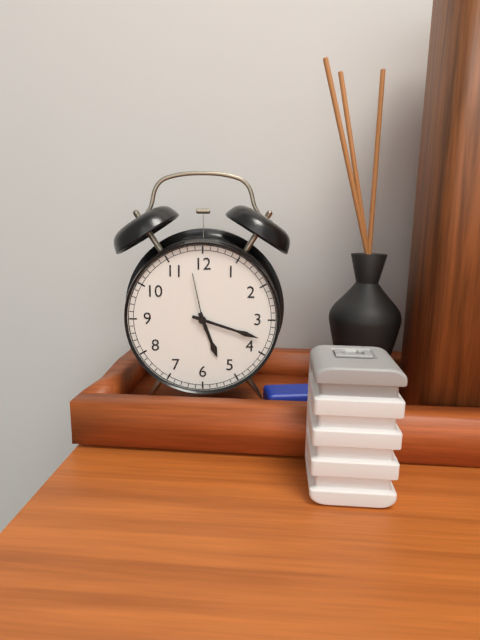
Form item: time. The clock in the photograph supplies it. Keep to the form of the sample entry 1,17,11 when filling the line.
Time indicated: 5,18,58
